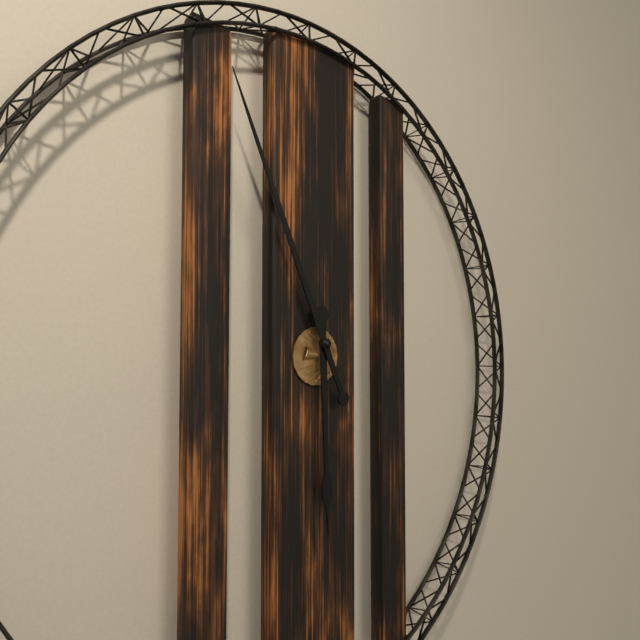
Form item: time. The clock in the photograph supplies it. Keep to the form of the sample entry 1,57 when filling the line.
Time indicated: 5,56
